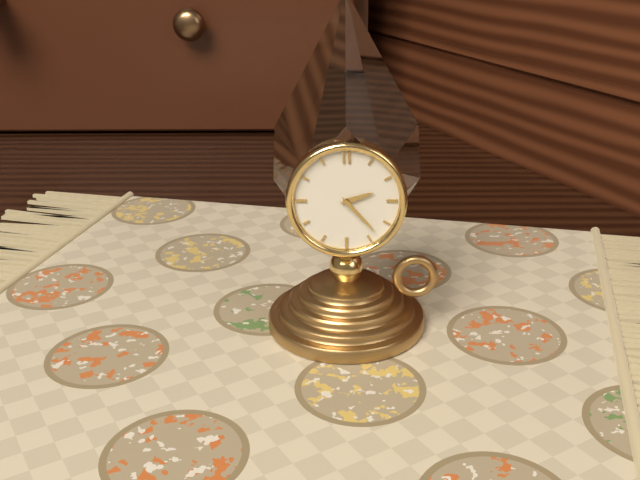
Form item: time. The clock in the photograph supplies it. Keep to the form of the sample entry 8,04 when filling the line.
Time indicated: 2,23
